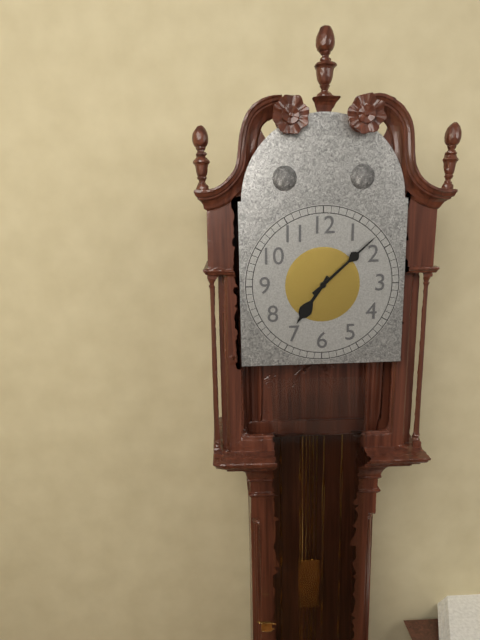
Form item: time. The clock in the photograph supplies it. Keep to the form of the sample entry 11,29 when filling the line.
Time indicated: 7,08
